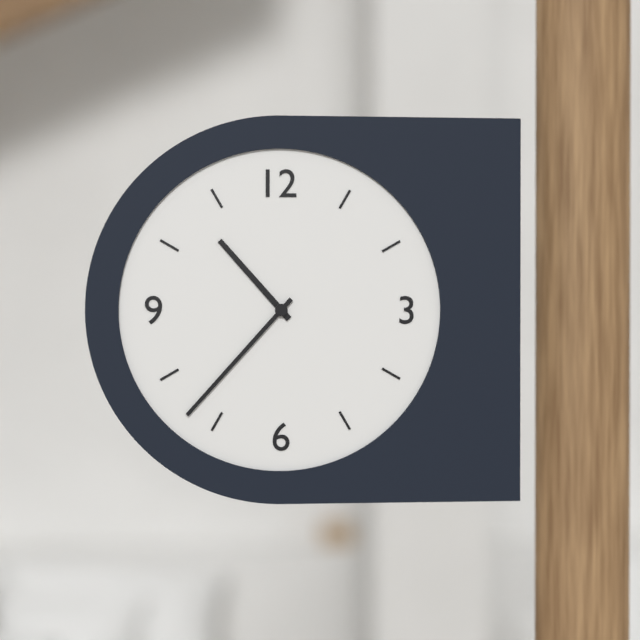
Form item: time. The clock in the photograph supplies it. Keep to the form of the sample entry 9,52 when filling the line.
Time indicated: 10,37
